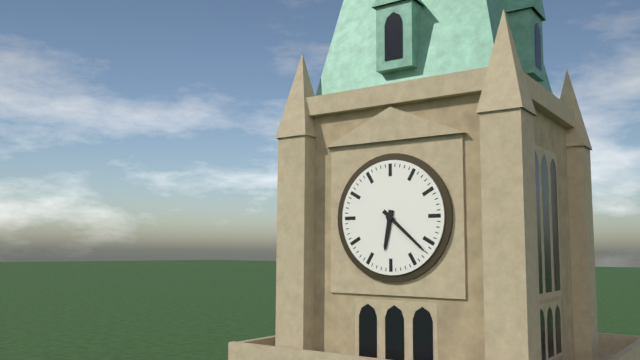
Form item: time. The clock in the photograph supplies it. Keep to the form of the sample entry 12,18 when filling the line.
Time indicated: 6,22
